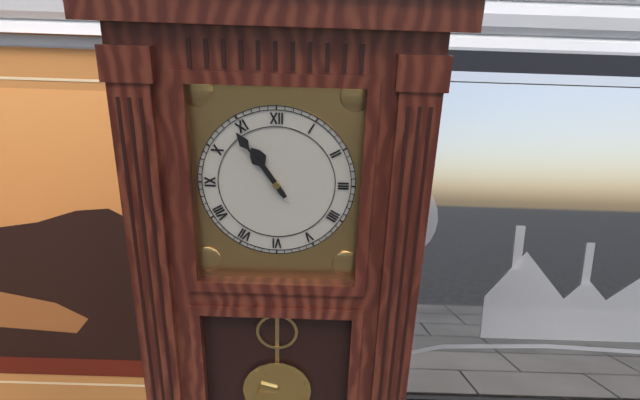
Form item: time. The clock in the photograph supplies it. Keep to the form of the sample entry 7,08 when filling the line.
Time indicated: 10,54
